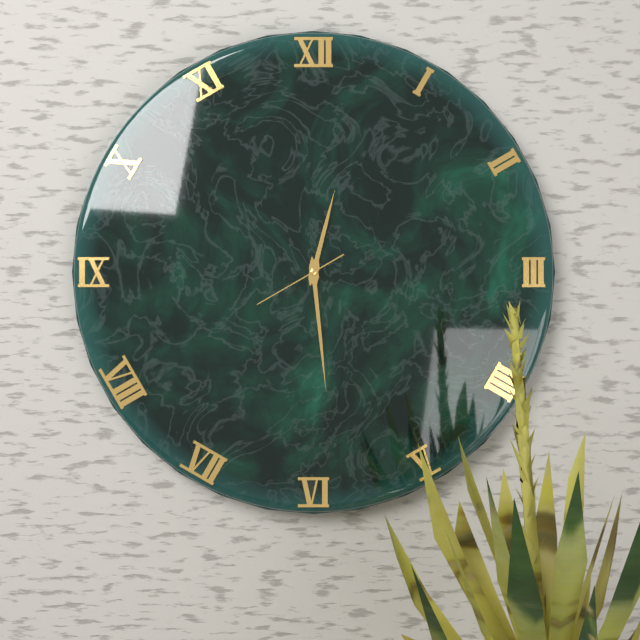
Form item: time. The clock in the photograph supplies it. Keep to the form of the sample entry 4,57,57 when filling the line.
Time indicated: 12,29,40
